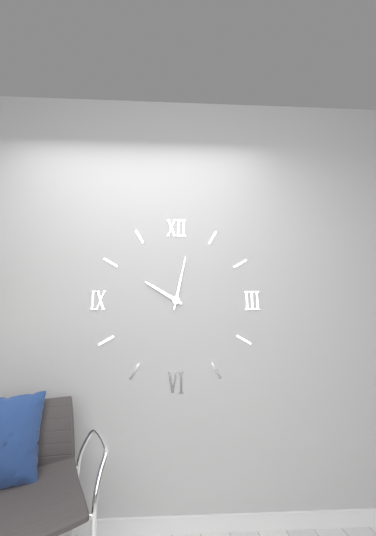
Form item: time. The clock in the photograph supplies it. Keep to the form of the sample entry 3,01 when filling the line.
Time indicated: 10,02
